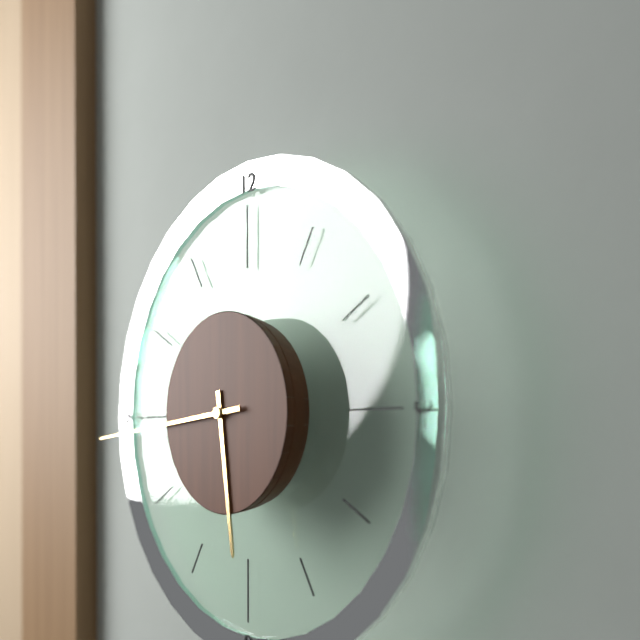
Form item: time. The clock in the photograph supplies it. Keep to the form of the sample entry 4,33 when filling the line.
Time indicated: 5,44
